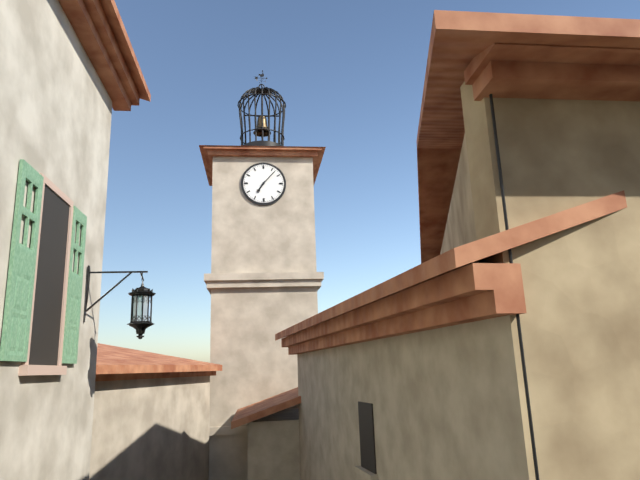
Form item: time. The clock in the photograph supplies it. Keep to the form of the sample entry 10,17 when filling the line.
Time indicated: 7,07
